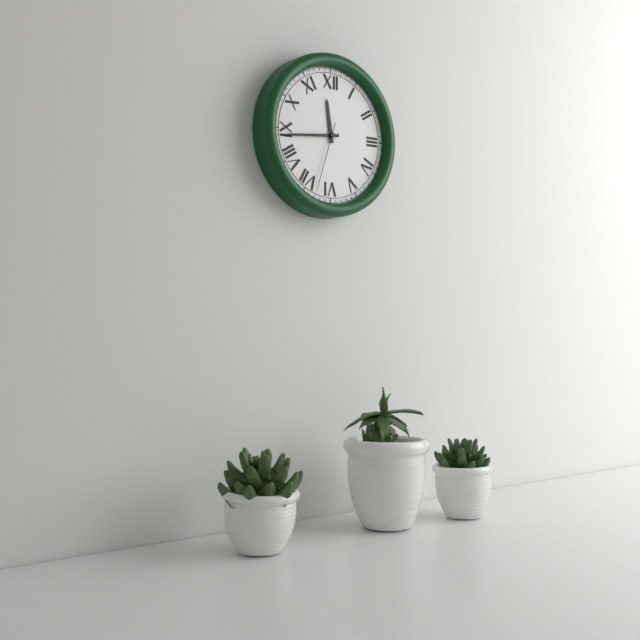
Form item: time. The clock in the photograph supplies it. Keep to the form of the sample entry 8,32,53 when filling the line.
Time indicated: 11,44,33
